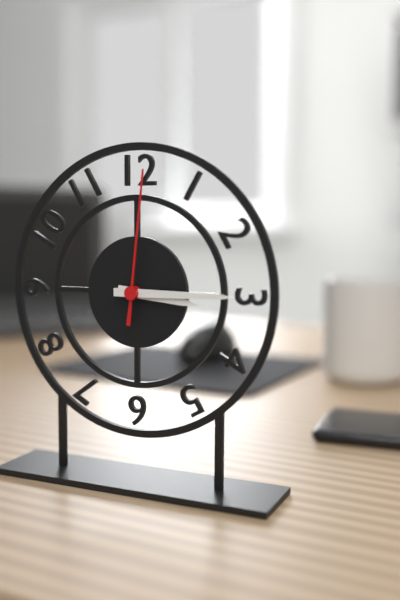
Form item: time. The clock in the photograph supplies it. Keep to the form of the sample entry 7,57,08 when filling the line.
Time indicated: 3,15,01
